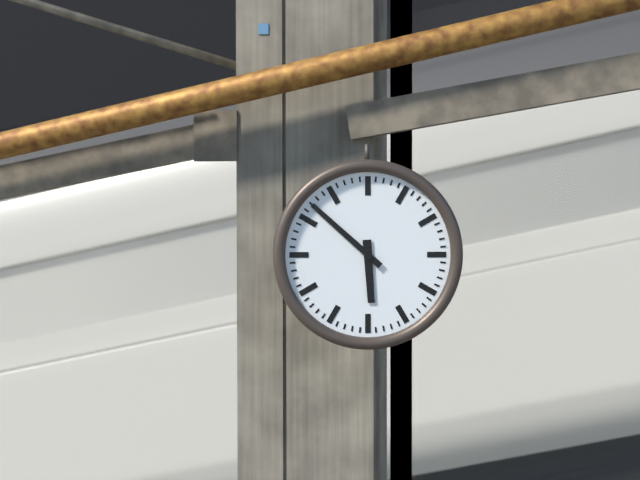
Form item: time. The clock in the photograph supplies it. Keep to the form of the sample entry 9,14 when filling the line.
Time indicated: 5,52
